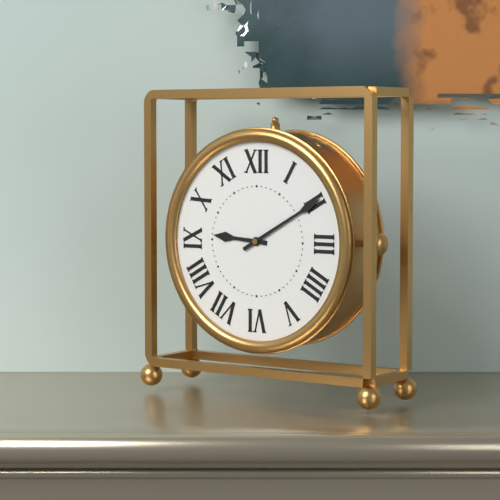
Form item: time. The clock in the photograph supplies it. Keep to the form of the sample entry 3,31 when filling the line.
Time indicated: 9,10
